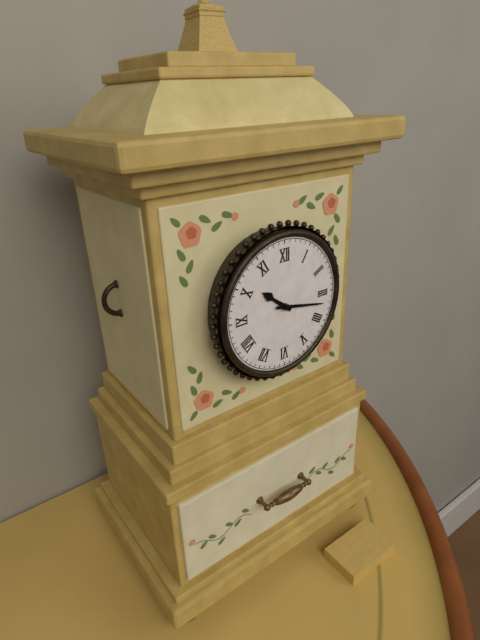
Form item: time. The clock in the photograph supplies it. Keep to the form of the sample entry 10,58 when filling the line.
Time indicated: 10,17
